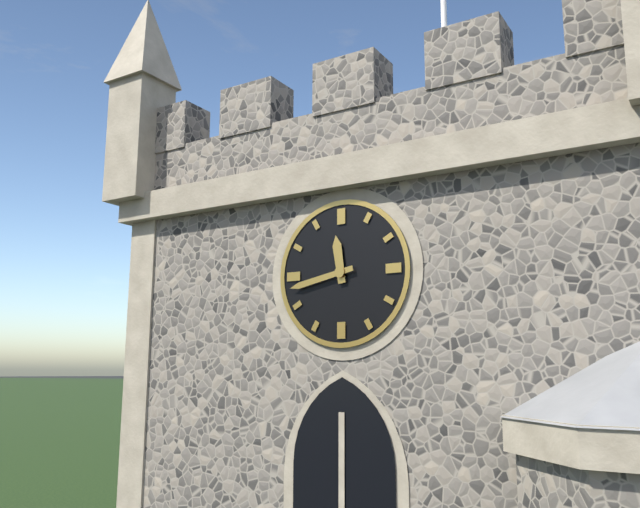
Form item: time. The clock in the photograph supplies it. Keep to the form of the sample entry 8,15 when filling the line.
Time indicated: 11,43
